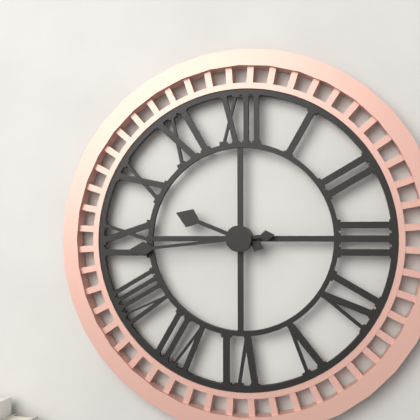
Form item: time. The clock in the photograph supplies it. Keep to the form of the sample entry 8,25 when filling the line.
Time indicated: 9,44
